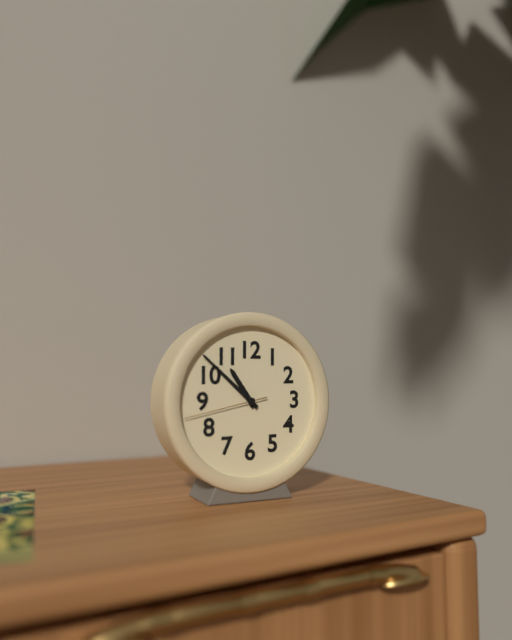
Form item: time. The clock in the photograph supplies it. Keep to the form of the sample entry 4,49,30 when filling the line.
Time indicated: 10,52,43
